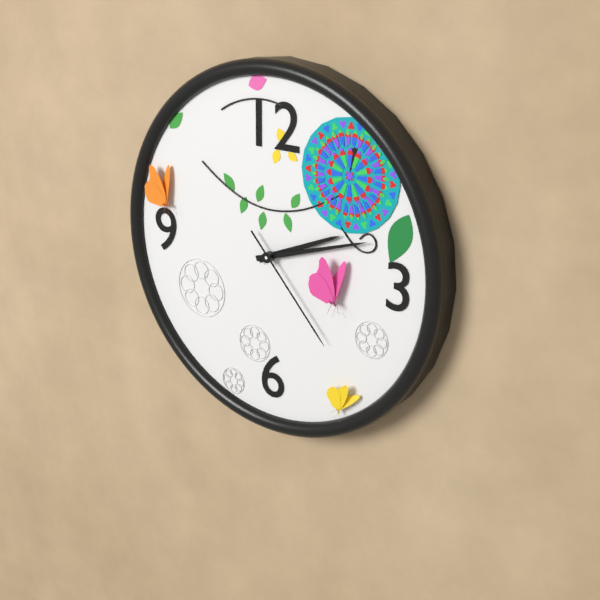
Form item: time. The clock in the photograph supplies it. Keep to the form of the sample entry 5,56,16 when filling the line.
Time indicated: 2,12,23
